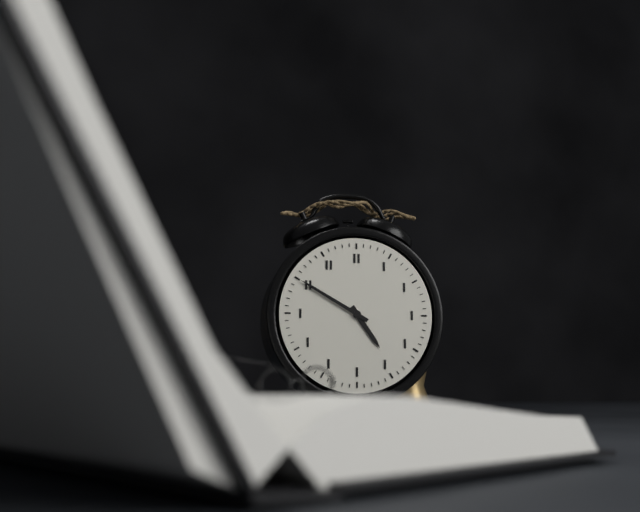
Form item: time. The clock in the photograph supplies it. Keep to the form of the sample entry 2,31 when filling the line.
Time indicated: 4,50
